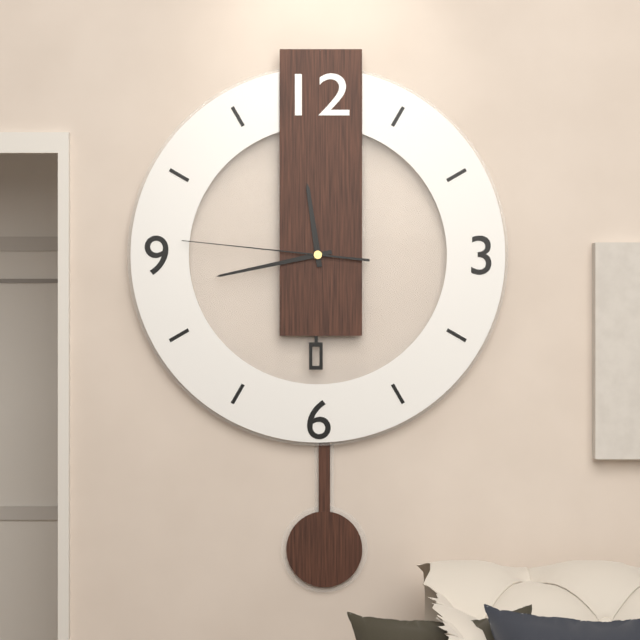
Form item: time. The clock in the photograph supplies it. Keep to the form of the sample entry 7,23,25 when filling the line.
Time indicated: 11,43,46
